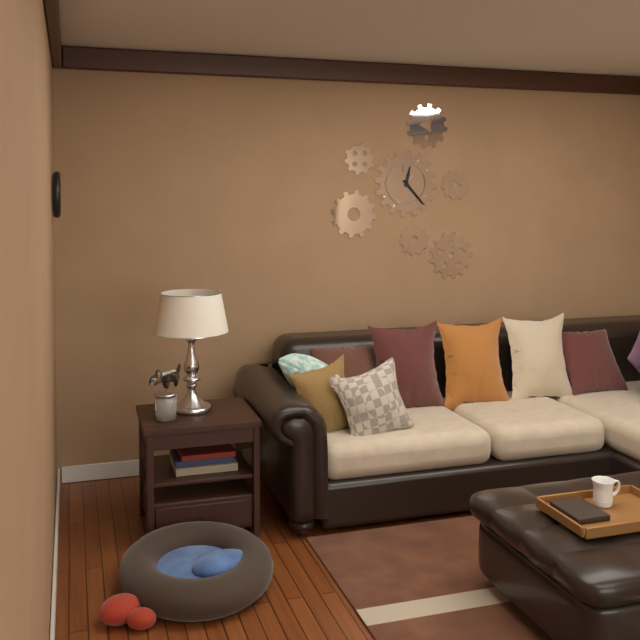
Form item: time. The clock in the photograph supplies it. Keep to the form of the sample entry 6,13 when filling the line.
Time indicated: 12,23
